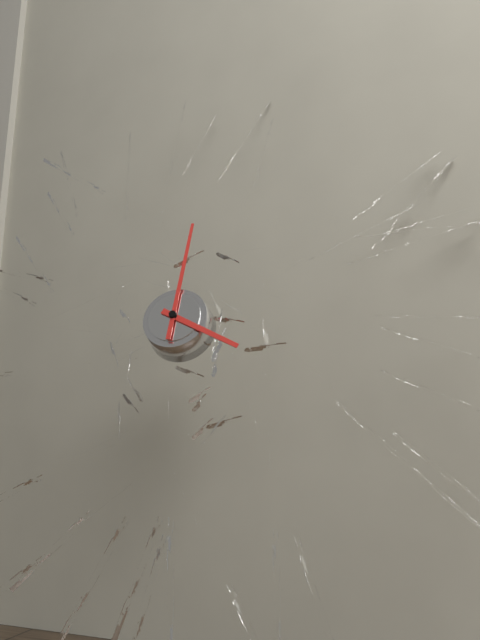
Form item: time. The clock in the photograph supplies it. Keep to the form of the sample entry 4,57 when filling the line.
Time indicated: 4,01
